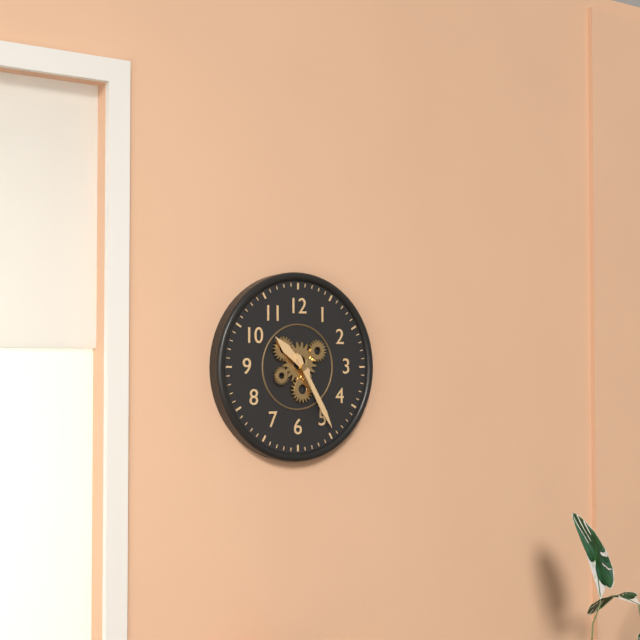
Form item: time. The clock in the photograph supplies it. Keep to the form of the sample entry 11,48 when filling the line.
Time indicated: 10,25
